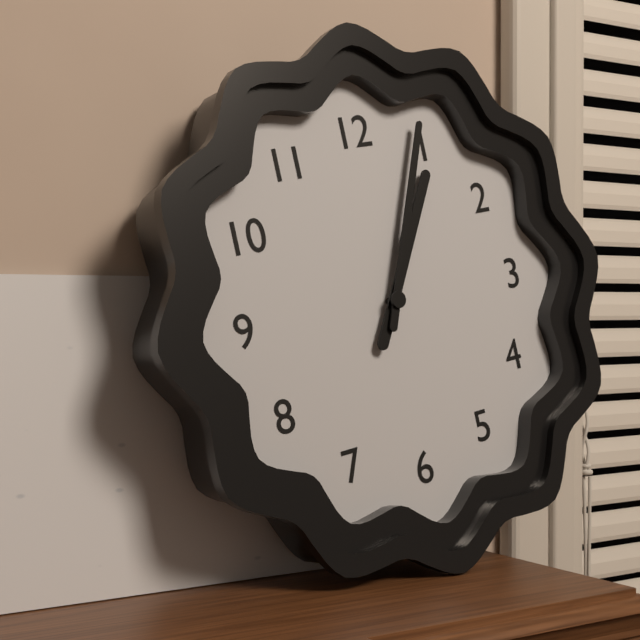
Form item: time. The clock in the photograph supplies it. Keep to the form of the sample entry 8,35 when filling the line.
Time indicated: 1,04
